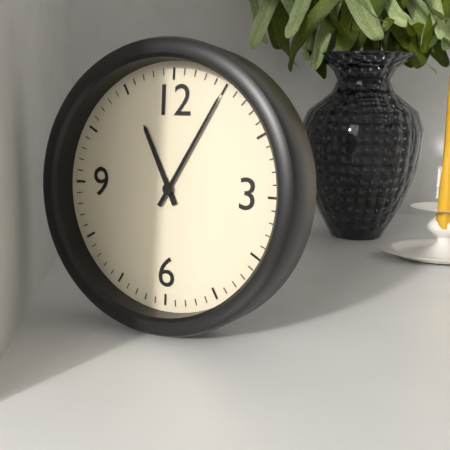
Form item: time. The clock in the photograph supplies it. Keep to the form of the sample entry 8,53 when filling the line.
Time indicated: 11,05
